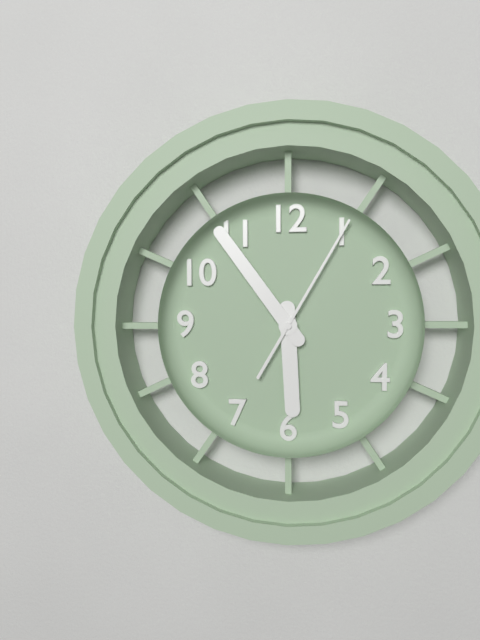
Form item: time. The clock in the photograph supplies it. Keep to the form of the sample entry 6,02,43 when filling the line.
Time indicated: 5,54,05
